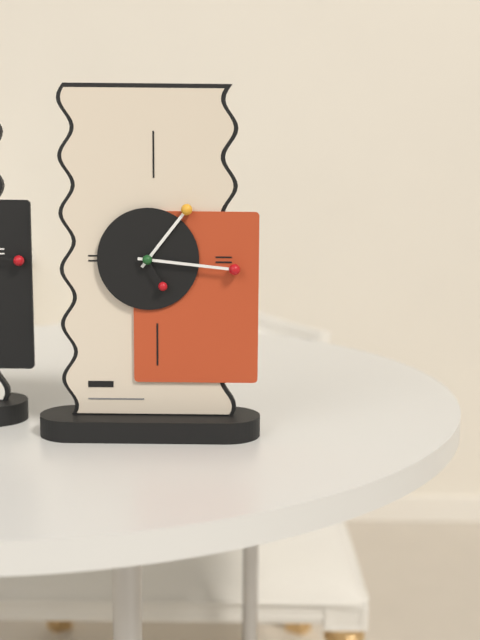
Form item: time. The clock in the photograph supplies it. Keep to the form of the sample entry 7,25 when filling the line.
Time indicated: 1,16
